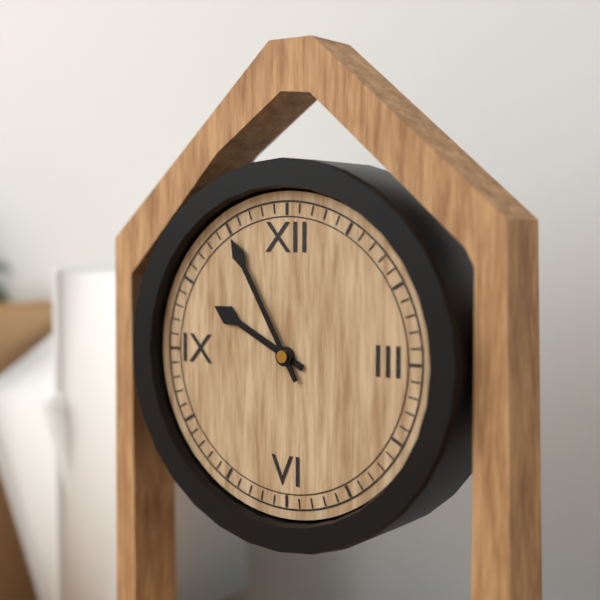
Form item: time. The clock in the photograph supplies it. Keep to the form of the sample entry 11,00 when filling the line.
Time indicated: 9,55
